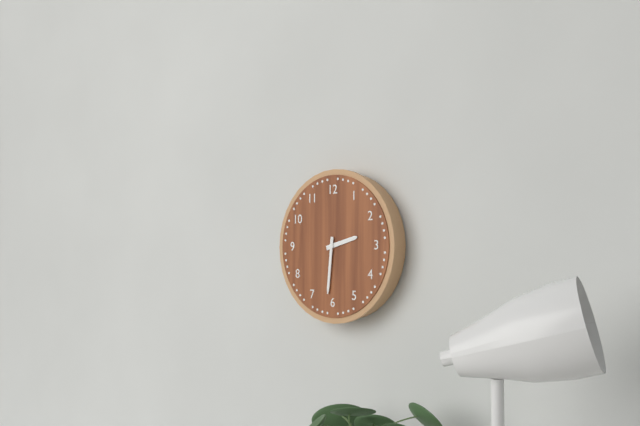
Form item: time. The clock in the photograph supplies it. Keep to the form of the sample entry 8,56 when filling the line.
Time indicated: 2,31
